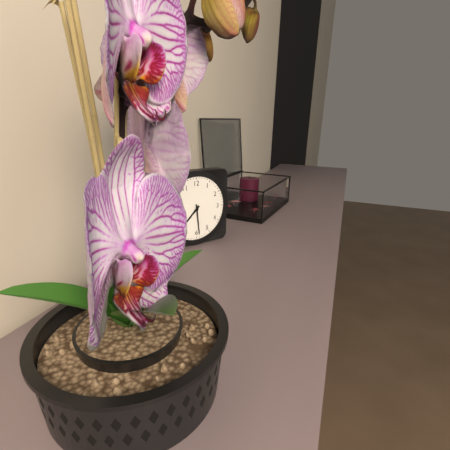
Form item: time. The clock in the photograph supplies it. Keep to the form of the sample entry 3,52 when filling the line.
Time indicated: 7,29
